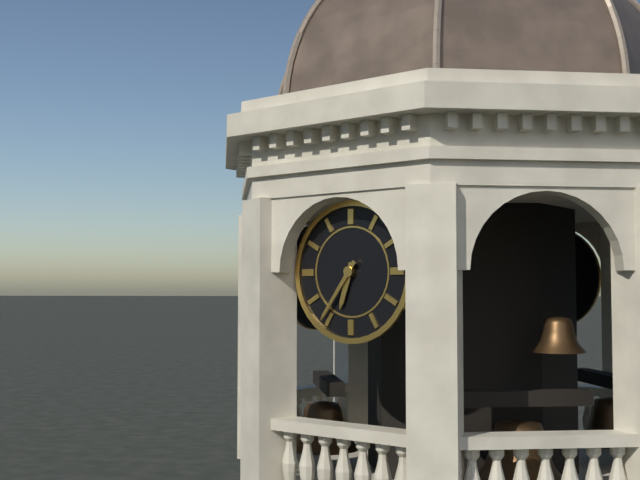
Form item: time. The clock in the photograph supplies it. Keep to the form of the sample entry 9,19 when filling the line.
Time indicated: 6,36
